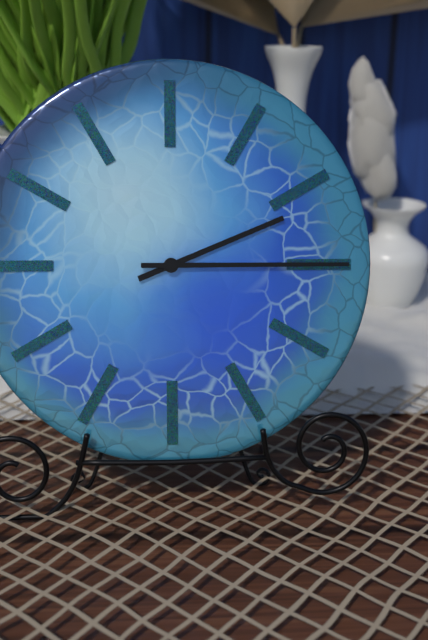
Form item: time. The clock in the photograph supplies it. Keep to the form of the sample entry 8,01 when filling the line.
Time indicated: 2,15
